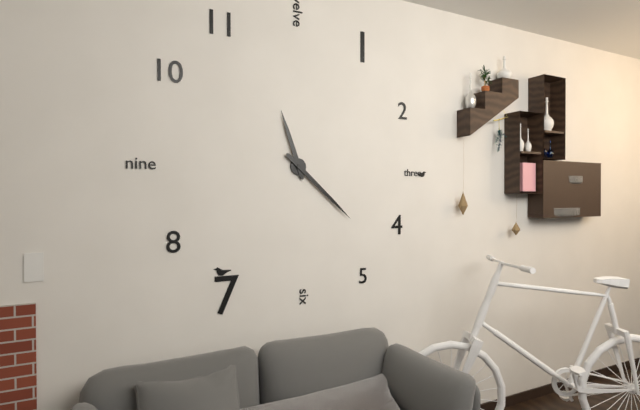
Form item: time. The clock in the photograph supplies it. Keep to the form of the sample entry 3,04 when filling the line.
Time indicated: 11,22
